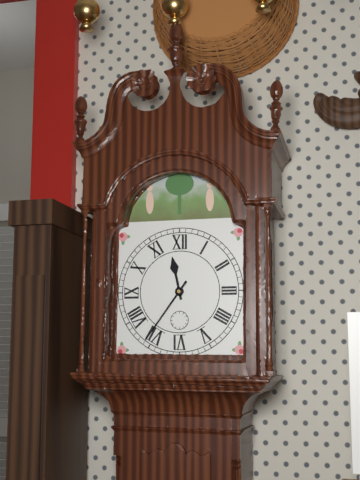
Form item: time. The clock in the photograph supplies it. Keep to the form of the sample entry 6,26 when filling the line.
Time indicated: 11,36
